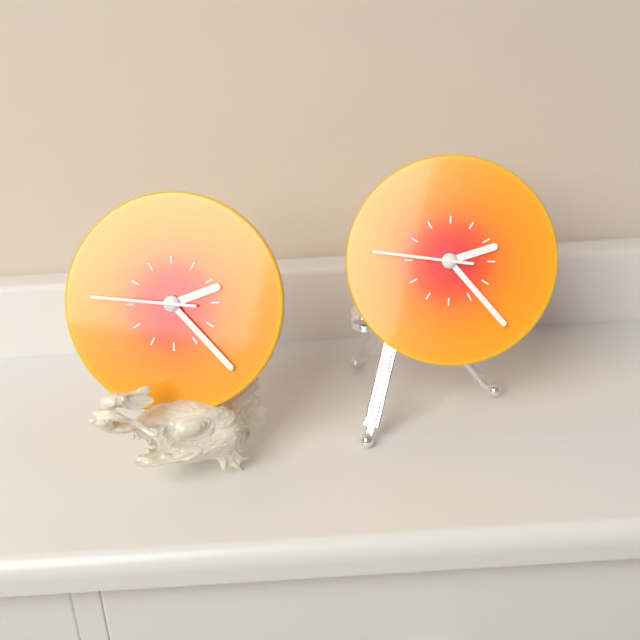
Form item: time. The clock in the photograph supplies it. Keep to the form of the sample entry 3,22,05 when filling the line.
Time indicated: 2,23,46
